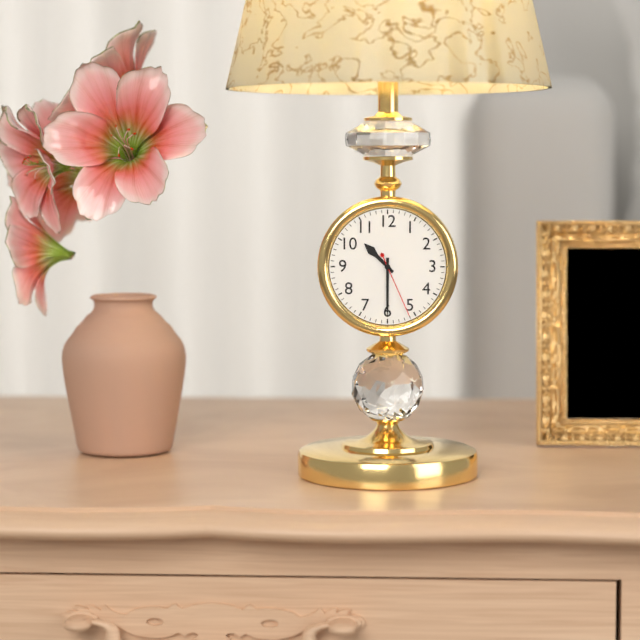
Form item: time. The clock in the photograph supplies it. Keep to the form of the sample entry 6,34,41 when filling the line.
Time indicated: 10,30,26
